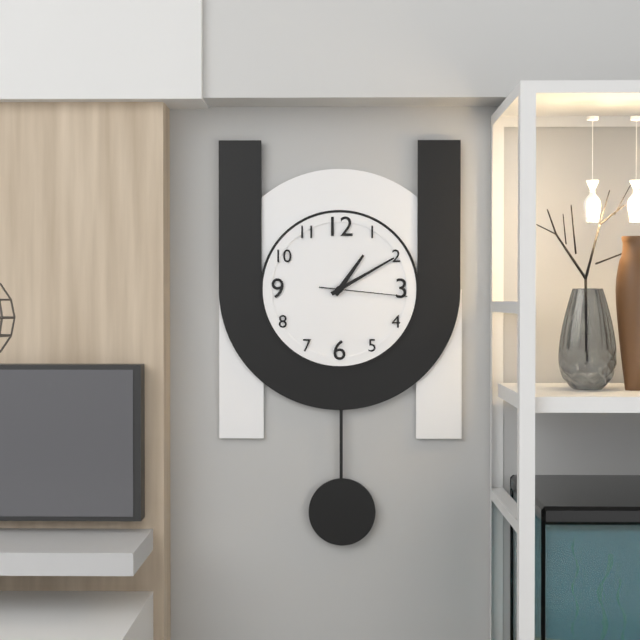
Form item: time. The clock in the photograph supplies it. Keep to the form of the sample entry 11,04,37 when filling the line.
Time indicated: 1,10,16
